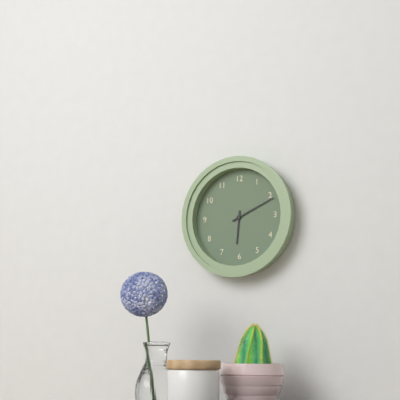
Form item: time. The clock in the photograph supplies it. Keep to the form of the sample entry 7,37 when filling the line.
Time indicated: 6,11
